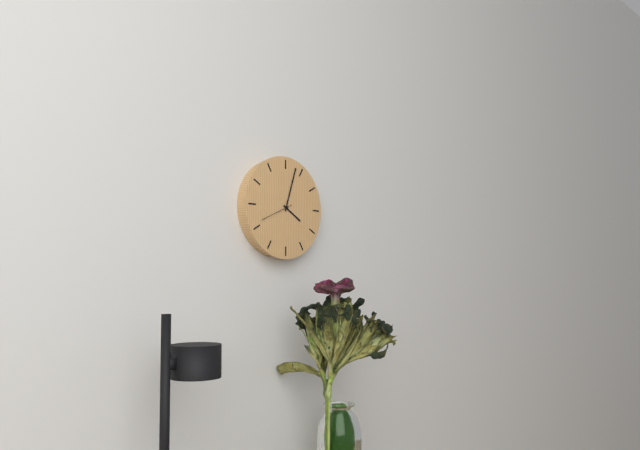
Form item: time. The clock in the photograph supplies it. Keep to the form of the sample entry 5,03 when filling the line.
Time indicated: 4,03
